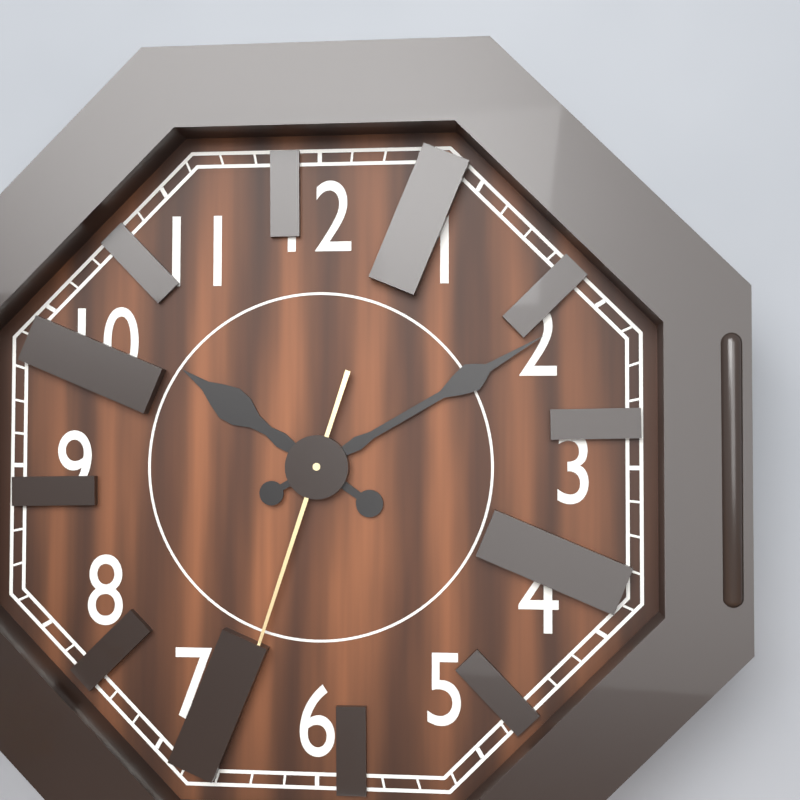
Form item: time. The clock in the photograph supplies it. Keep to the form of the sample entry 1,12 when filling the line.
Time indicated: 10,10
